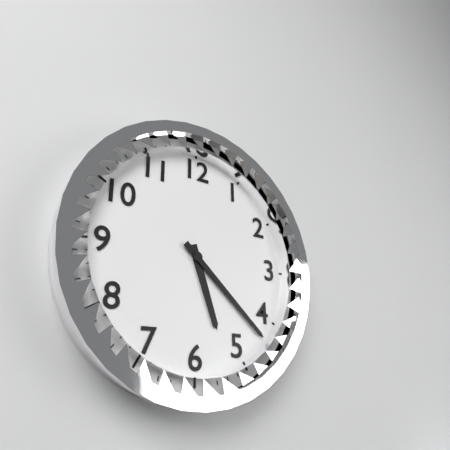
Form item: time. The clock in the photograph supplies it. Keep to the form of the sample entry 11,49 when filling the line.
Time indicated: 5,22
